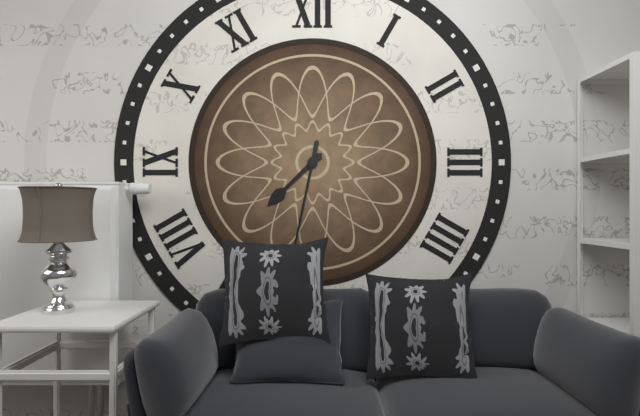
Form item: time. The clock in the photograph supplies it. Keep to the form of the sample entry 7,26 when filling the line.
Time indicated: 7,32
